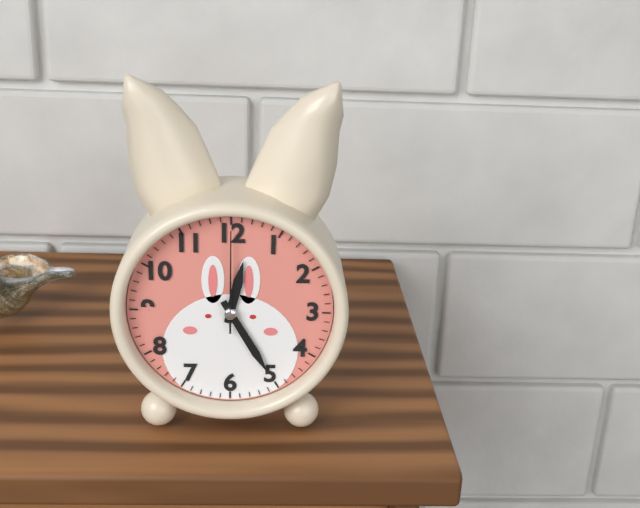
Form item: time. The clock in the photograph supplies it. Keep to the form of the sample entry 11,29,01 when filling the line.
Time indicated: 12,25,00
